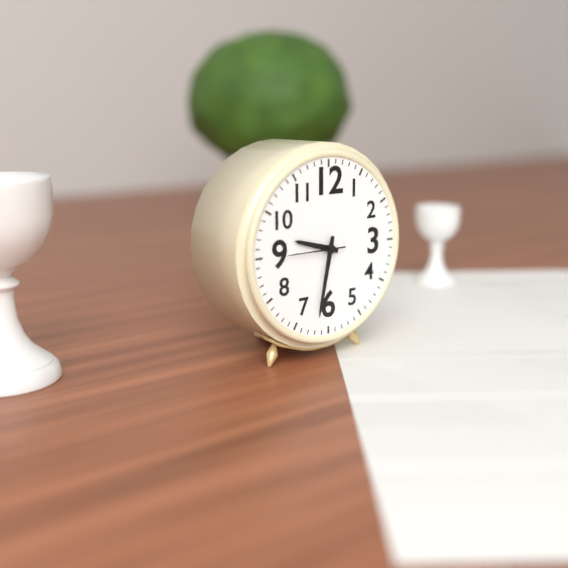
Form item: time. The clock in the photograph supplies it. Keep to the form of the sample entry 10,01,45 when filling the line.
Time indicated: 9,32,45
